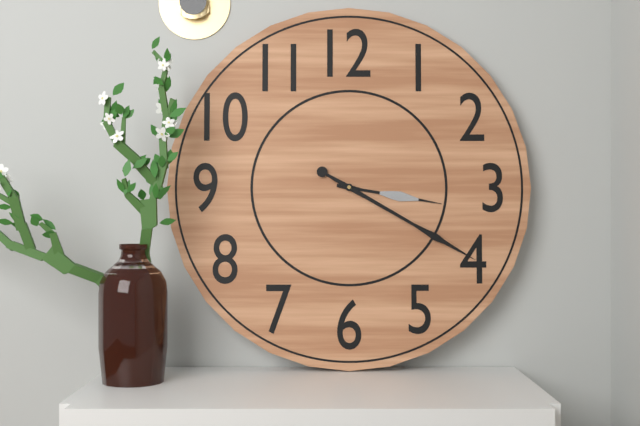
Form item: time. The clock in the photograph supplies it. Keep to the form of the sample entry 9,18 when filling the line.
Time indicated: 3,20
